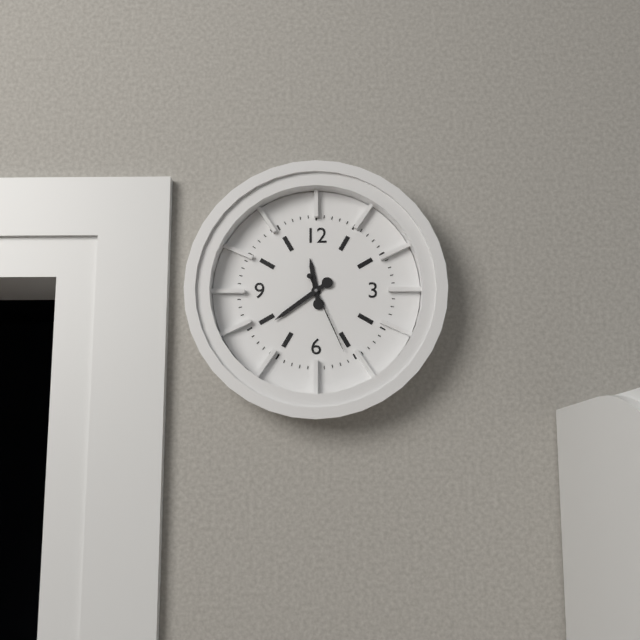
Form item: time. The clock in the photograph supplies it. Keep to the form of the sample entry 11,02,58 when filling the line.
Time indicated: 11,39,26
